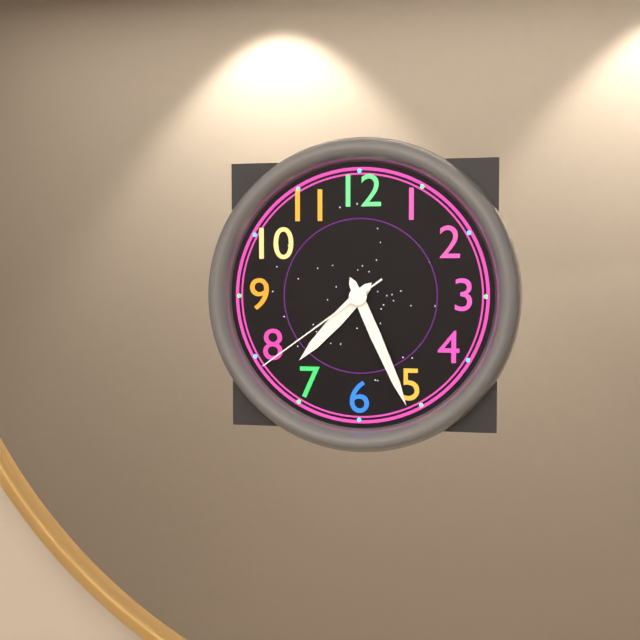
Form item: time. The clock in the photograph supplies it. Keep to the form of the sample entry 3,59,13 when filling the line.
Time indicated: 7,26,39
